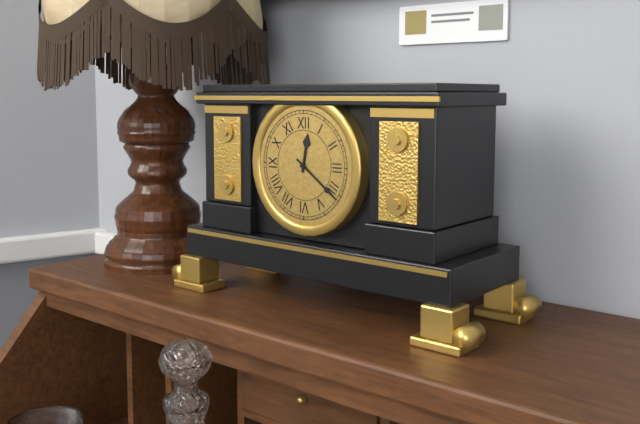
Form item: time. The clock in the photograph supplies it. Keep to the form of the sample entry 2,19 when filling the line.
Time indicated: 12,21
